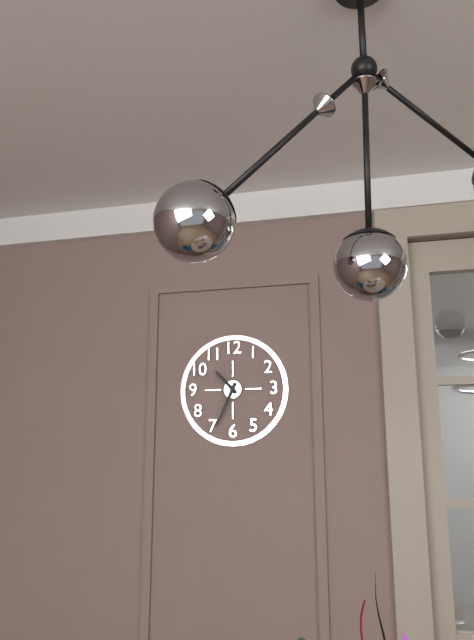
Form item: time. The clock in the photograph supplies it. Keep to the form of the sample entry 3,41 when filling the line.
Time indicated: 10,34
